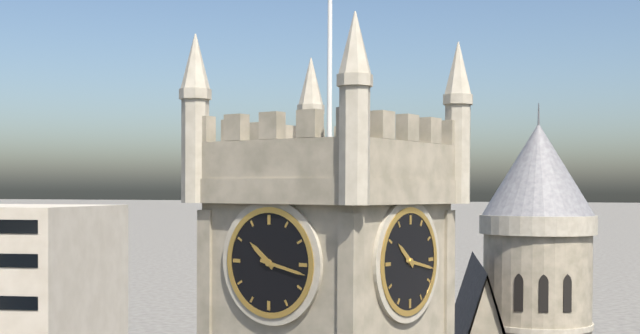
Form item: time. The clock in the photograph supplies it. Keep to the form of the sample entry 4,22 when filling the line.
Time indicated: 10,17
